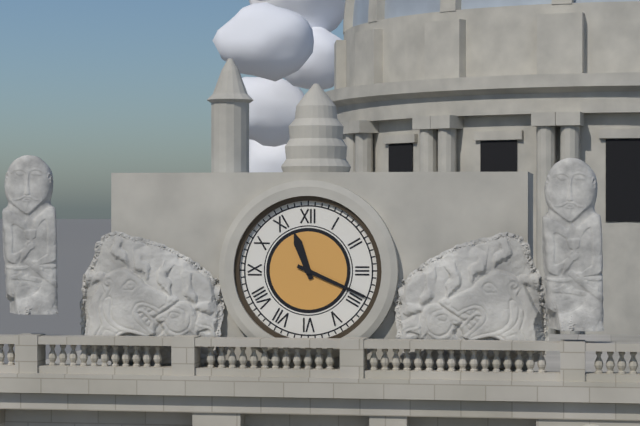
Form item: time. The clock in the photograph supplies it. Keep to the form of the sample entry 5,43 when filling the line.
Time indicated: 11,19
